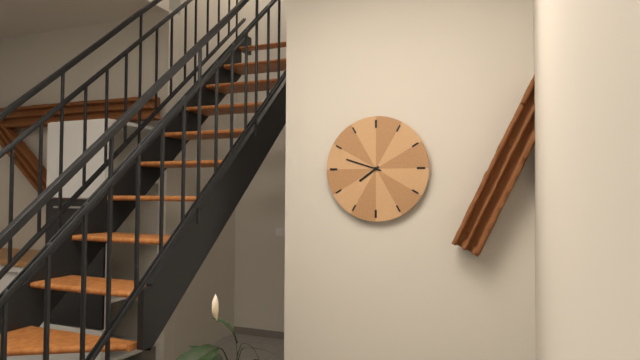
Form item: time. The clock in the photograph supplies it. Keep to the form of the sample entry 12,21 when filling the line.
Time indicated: 7,48
